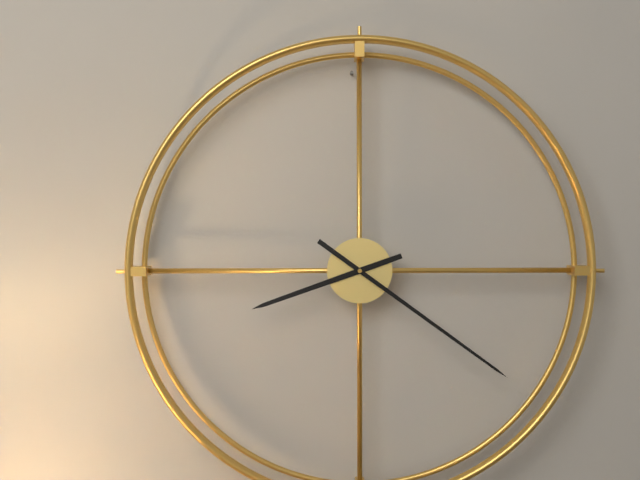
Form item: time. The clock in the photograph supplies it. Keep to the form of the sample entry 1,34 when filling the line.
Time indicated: 8,21
